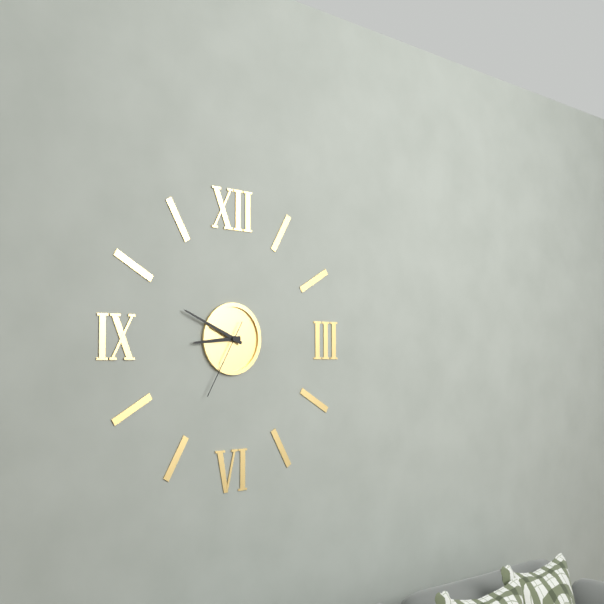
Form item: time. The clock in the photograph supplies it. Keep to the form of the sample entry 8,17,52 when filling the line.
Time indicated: 8,49,35
